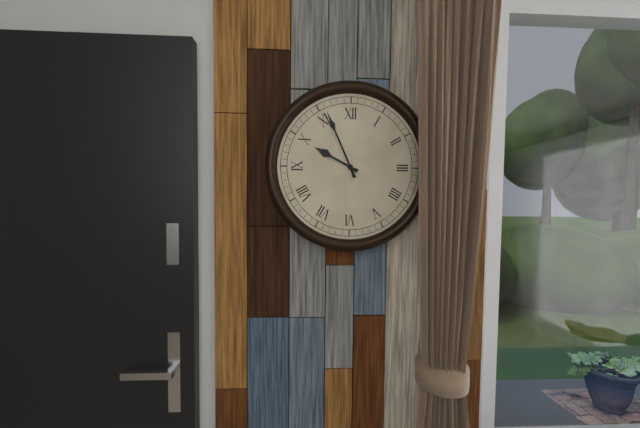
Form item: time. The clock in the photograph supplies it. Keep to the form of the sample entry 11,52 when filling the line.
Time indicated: 9,56
